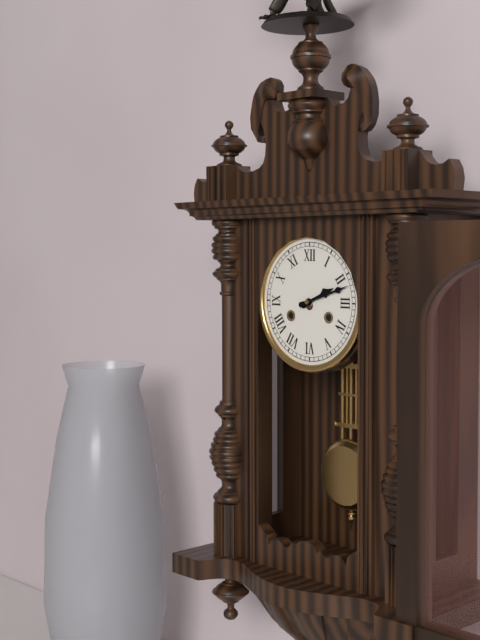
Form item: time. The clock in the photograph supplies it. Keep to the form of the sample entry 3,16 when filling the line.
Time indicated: 2,12
